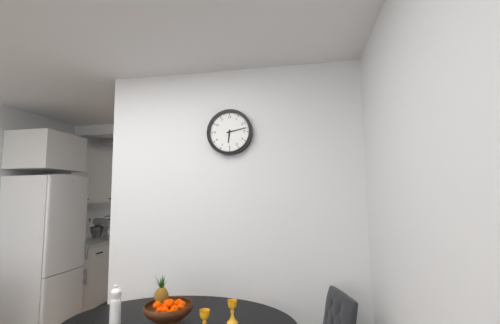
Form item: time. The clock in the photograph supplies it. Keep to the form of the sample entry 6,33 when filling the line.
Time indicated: 6,13
